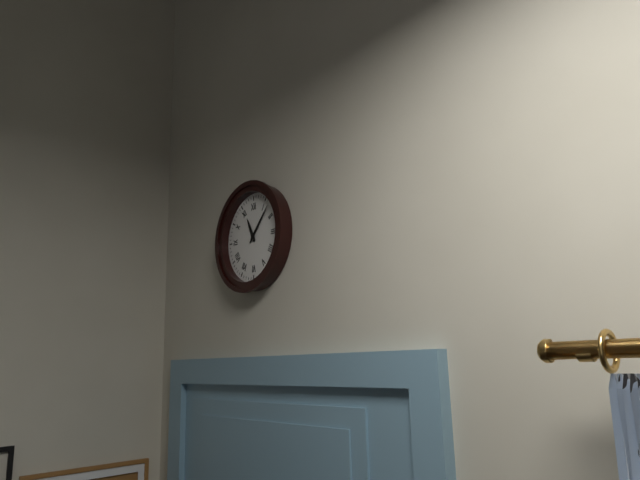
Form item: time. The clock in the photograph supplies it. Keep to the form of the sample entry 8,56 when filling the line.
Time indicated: 11,07
